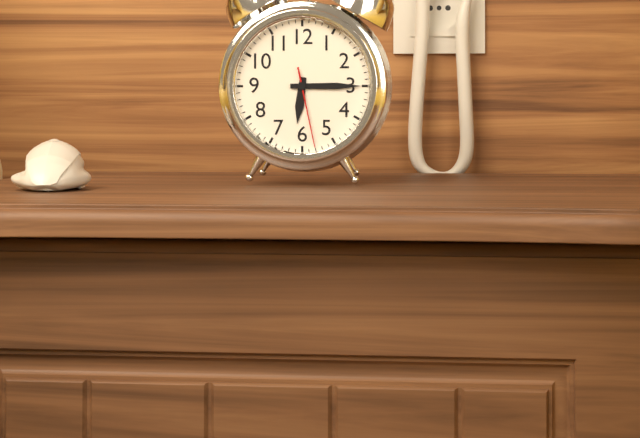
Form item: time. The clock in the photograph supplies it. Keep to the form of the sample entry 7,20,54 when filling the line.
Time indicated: 6,15,28
